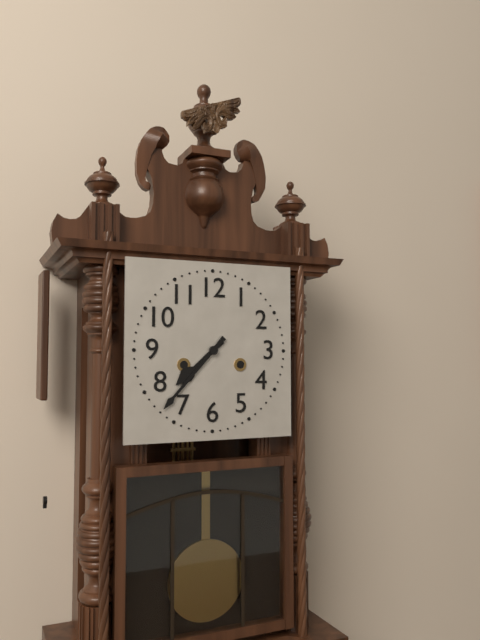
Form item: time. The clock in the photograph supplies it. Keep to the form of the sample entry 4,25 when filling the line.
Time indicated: 7,37
